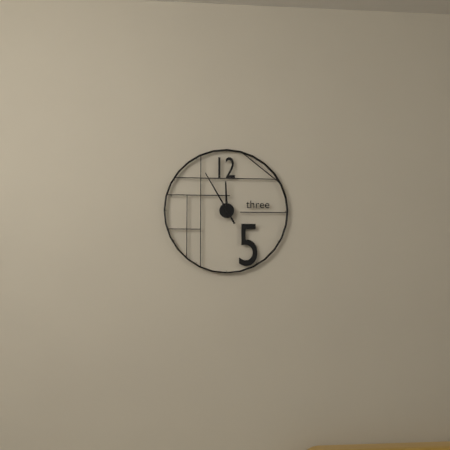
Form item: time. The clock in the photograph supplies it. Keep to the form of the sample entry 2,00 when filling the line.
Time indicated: 11,55
